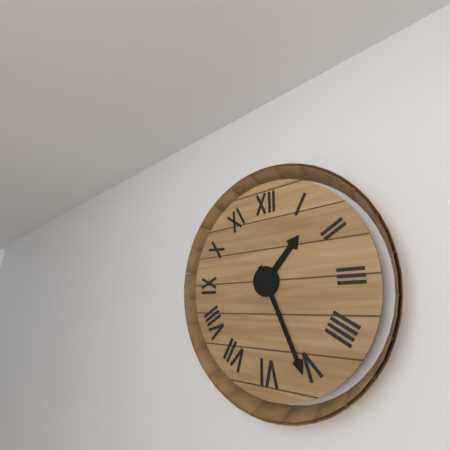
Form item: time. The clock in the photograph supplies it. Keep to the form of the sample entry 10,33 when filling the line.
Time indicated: 1,26
